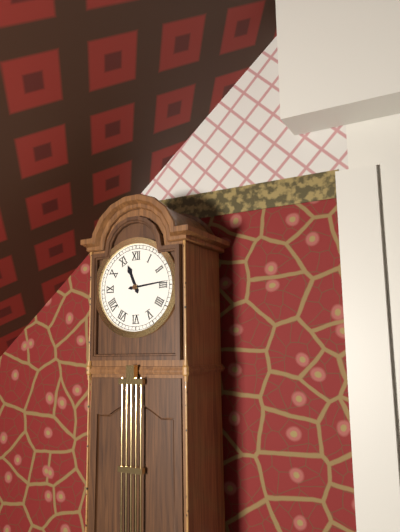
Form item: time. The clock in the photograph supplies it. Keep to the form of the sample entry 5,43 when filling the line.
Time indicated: 11,14
